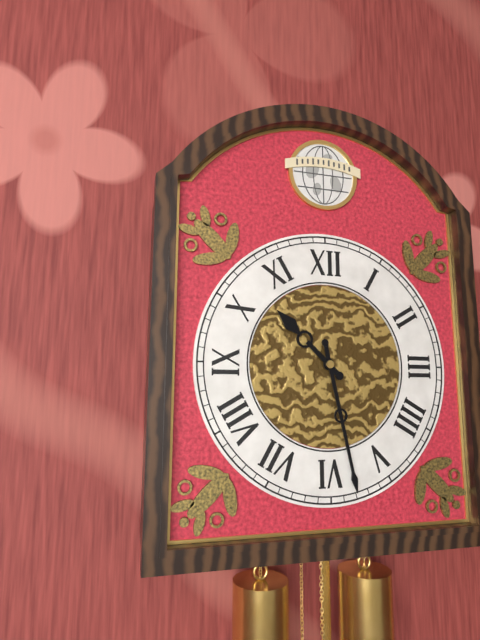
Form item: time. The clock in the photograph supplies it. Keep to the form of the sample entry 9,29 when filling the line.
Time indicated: 10,28
